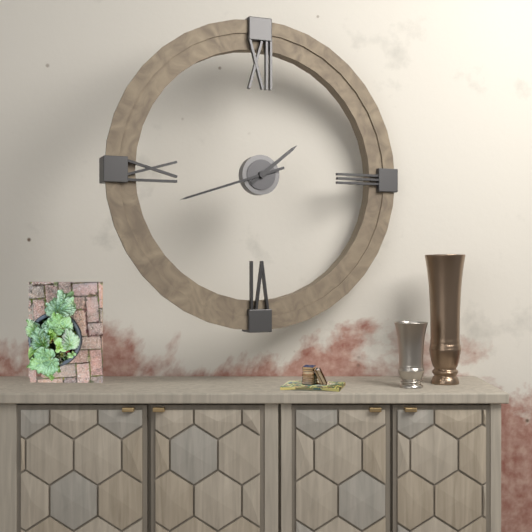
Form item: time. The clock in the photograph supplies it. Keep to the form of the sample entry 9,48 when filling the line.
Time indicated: 1,42
